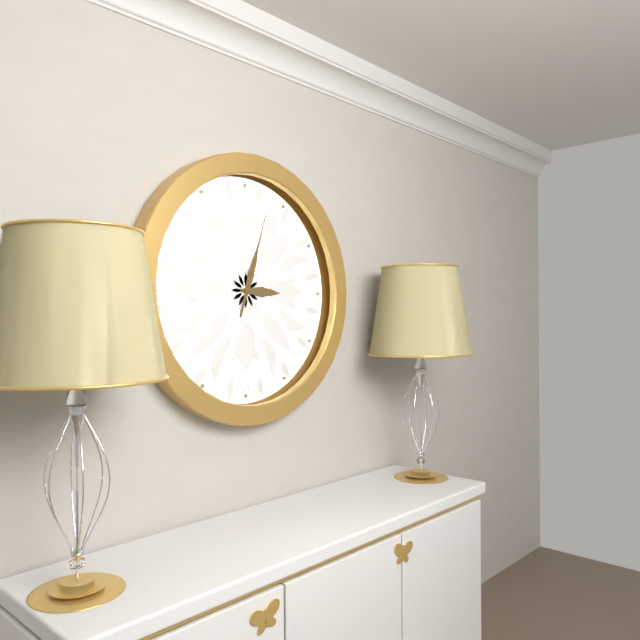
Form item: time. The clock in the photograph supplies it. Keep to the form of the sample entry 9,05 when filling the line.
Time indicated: 3,03
